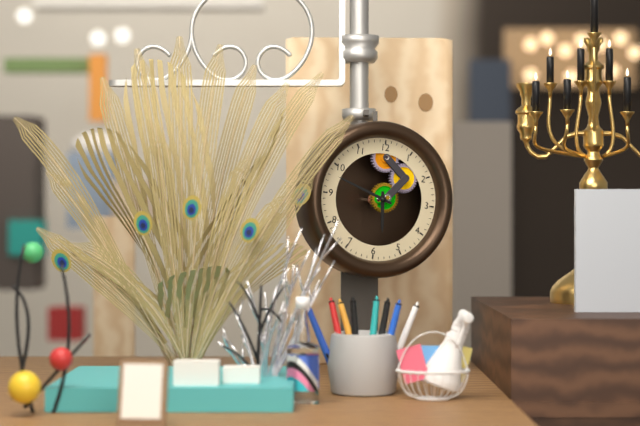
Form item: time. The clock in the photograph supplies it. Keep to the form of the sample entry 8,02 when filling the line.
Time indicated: 5,48
